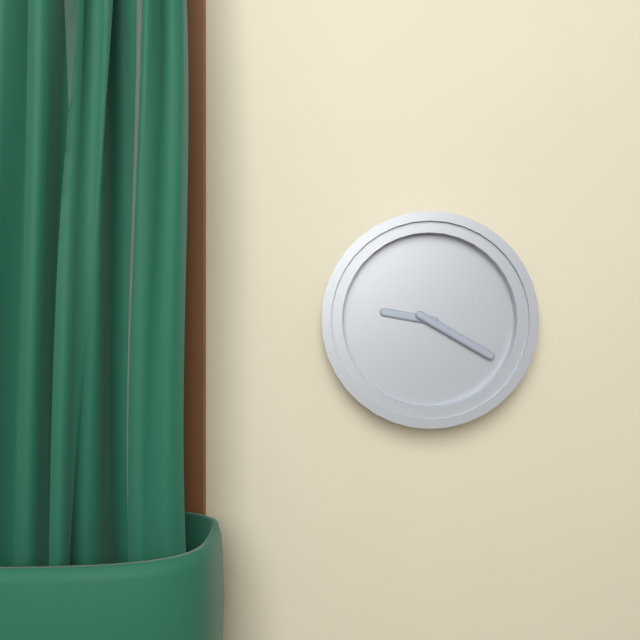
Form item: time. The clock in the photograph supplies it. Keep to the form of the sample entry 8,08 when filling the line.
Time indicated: 9,20
